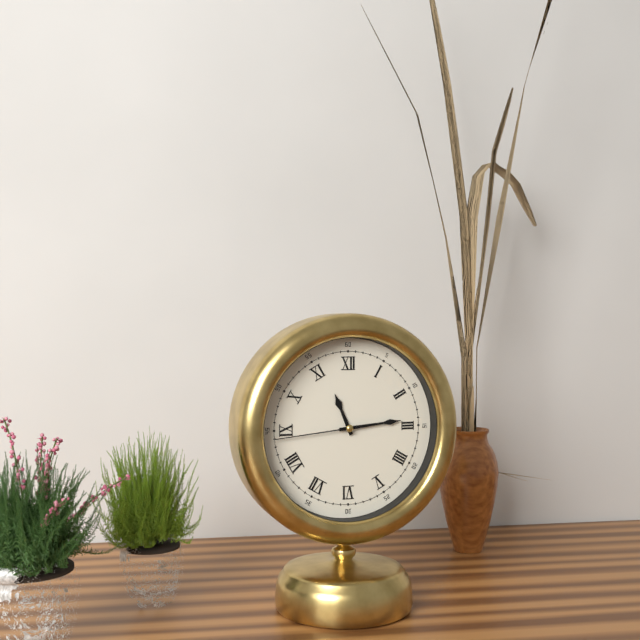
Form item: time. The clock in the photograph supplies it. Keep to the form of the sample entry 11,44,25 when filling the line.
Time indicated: 11,14,44
